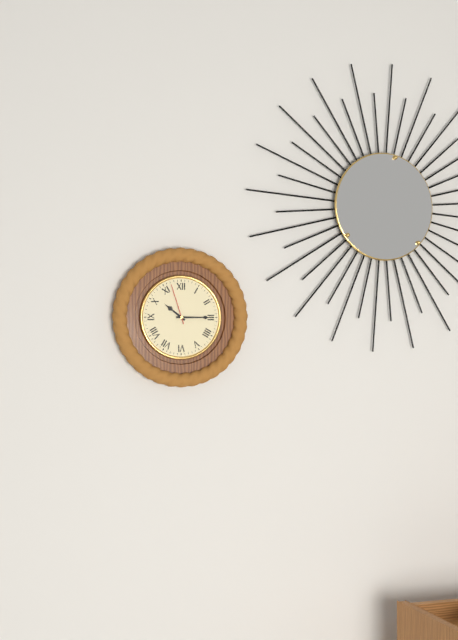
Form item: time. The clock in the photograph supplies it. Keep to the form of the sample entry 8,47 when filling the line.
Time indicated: 10,15
